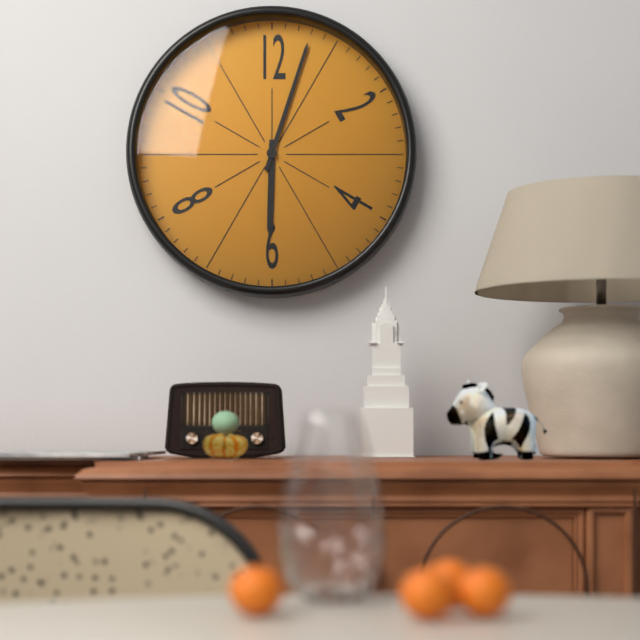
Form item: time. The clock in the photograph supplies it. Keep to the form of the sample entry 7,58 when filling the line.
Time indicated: 6,03
